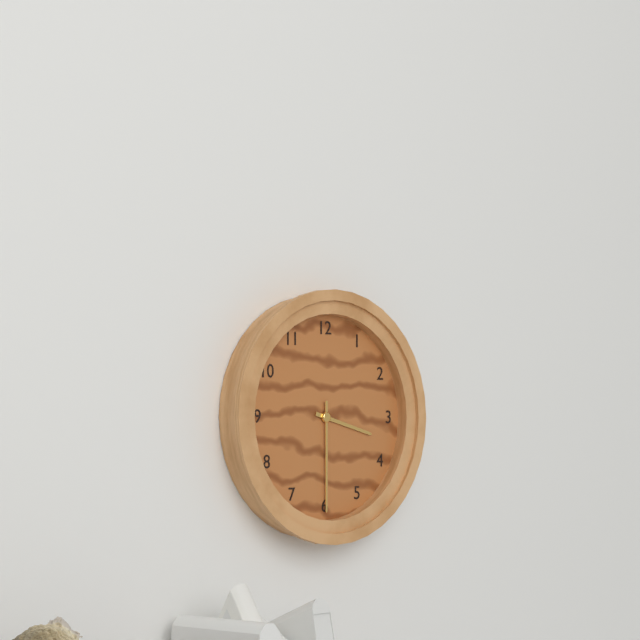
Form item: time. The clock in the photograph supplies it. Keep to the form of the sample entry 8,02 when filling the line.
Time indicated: 3,30
